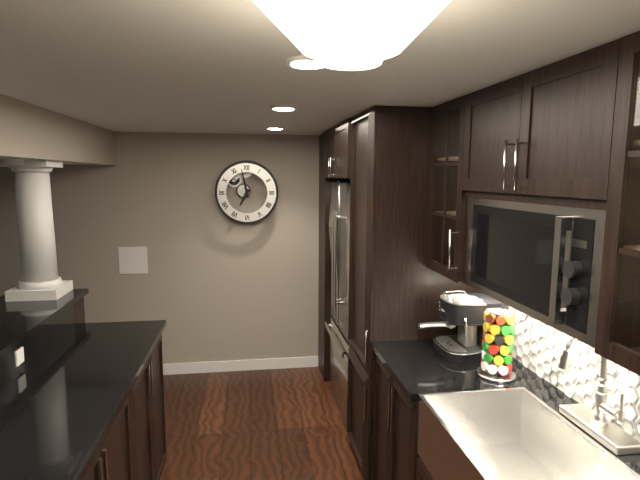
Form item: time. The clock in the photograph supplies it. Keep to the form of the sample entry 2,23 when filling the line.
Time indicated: 6,58
